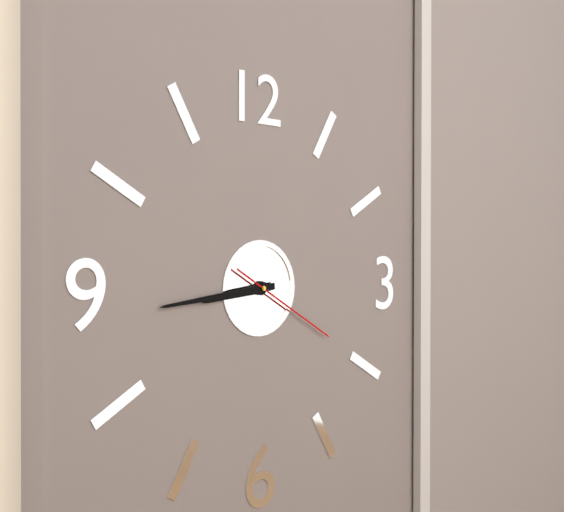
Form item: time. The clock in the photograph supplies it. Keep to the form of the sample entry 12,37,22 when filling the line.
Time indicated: 8,44,20
